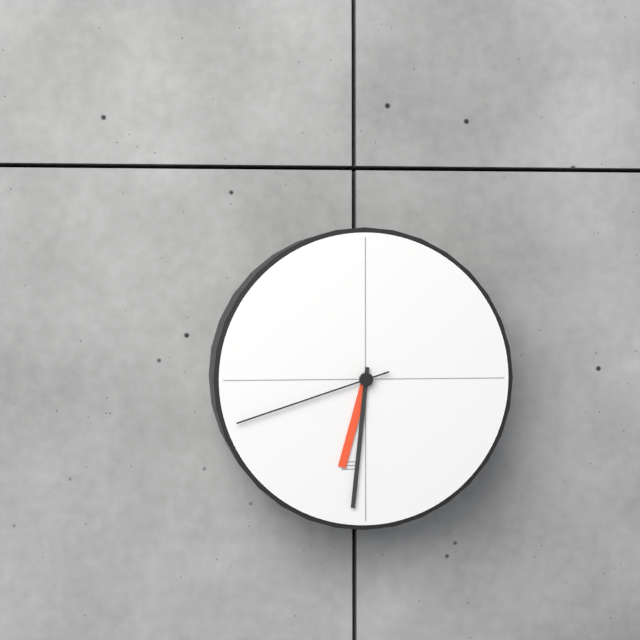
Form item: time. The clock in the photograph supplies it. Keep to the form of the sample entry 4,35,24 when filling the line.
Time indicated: 6,31,42
